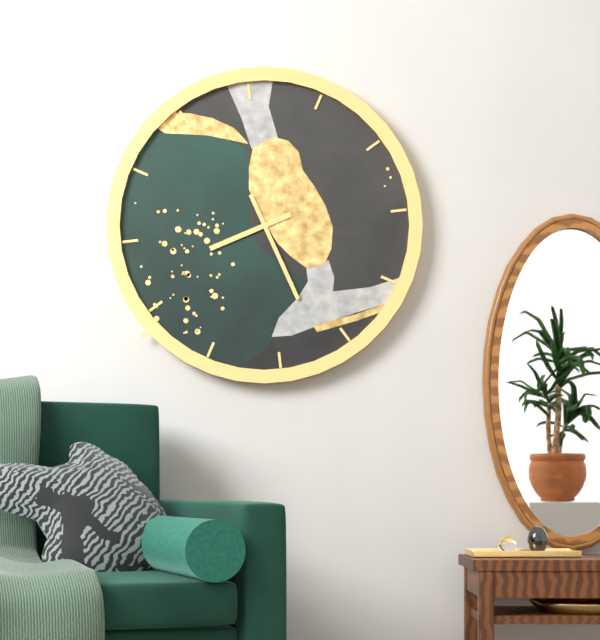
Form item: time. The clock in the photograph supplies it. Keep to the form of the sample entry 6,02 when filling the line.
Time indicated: 8,27
